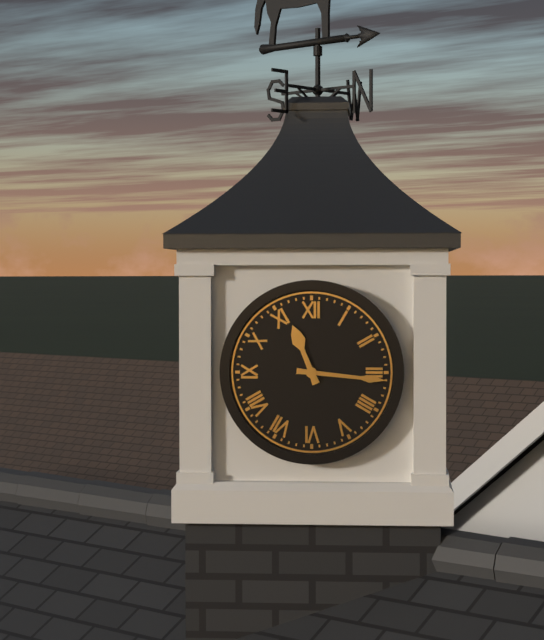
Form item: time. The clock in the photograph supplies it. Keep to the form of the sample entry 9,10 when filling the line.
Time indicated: 11,16
